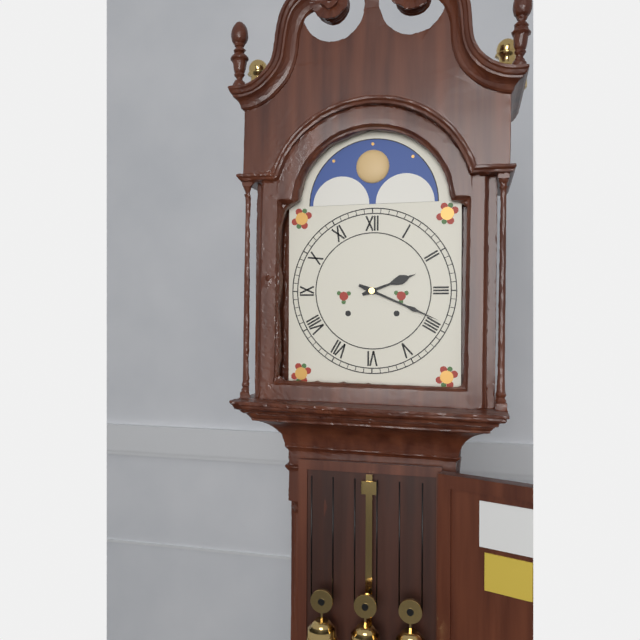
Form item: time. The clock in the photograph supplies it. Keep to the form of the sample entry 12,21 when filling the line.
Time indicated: 2,19
